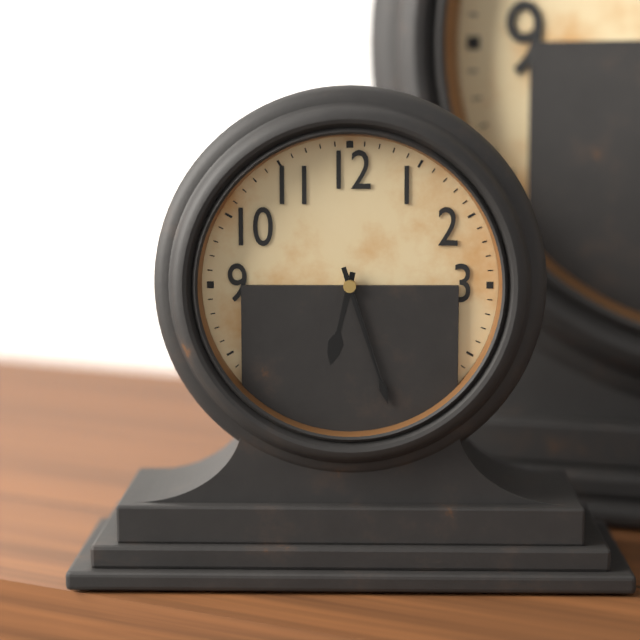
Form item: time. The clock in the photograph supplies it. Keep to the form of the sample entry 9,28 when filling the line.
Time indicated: 6,27
